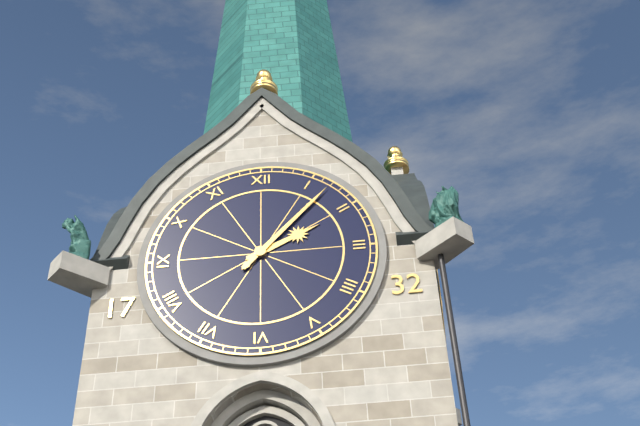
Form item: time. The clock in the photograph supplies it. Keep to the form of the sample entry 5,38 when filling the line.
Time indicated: 2,07
